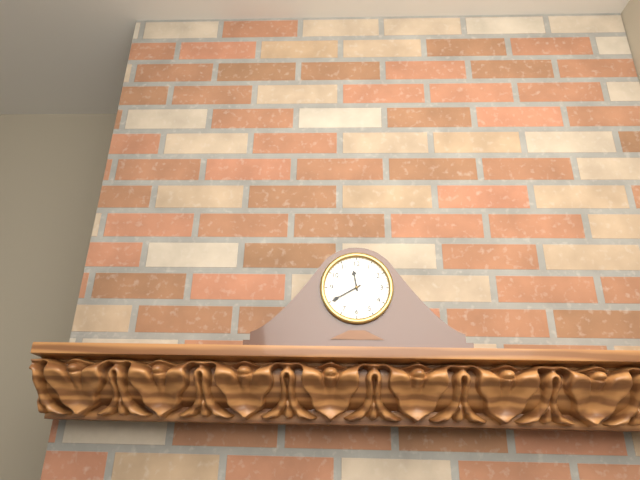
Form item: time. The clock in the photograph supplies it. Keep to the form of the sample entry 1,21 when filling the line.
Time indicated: 11,40
